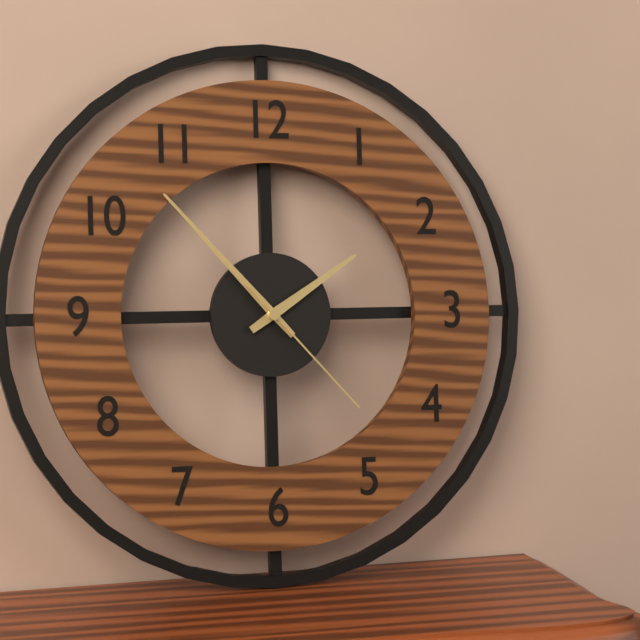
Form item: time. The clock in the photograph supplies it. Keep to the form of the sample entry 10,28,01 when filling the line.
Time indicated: 1,53,23
